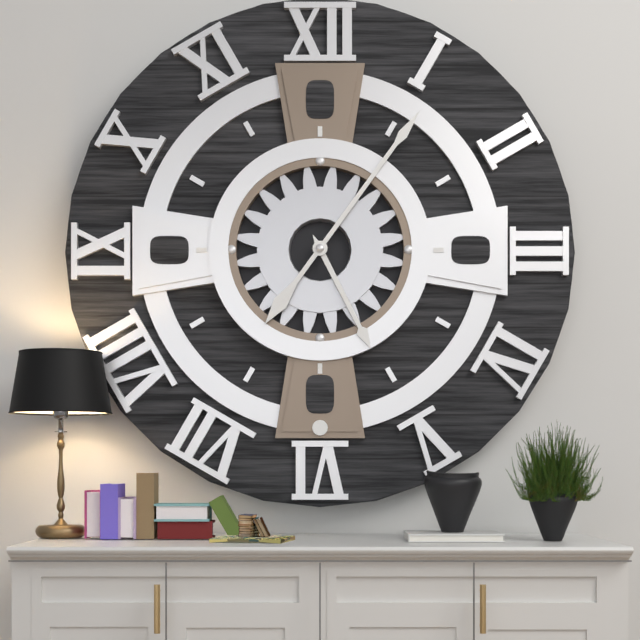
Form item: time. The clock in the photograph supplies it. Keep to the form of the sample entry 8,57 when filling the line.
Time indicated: 5,06
